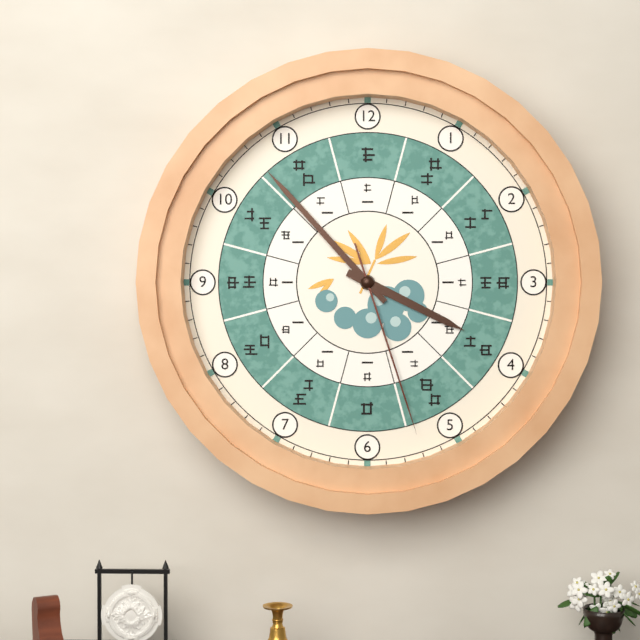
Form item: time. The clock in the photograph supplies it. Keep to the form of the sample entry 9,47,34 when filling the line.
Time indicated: 3,53,27
